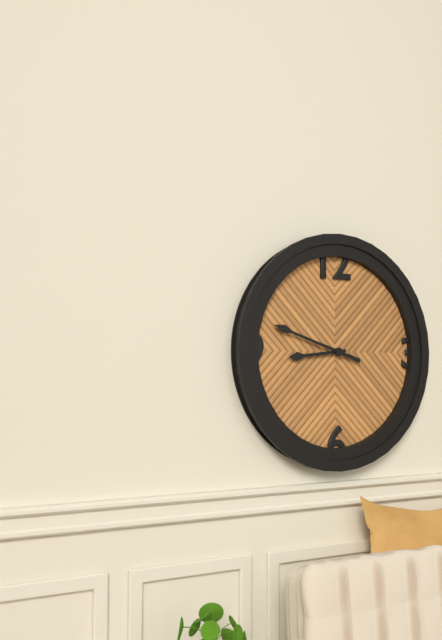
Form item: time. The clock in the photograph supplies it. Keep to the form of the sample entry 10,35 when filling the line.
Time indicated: 8,48
